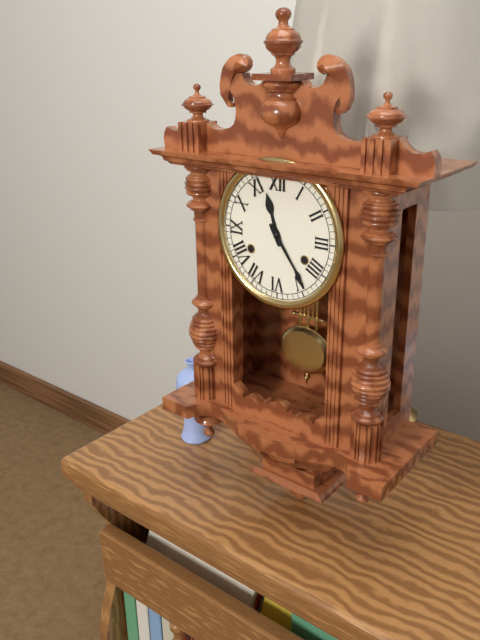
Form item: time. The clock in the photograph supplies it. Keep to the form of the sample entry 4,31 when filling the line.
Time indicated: 11,24
